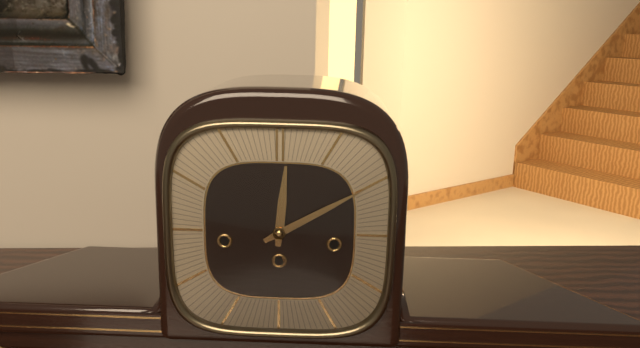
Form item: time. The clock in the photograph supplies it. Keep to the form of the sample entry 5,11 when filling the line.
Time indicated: 12,10
